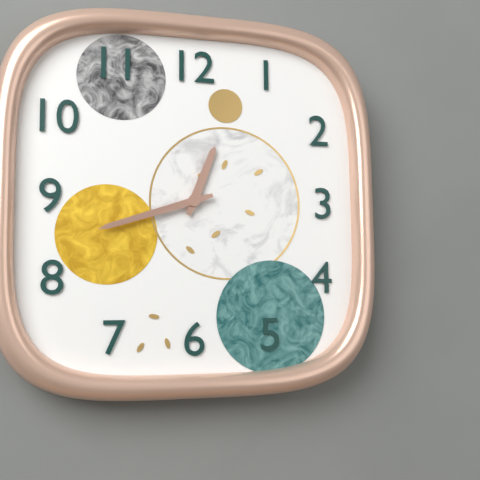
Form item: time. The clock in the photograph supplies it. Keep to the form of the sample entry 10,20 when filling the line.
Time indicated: 12,42
